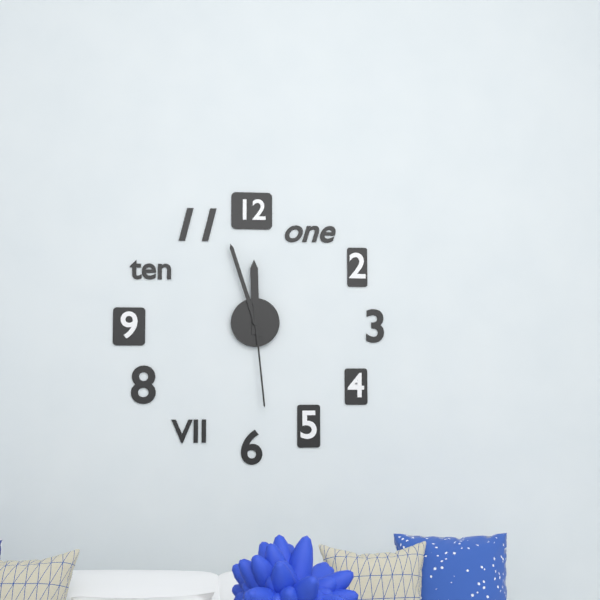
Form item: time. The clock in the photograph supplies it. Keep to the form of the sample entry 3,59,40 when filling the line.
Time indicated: 11,57,29
